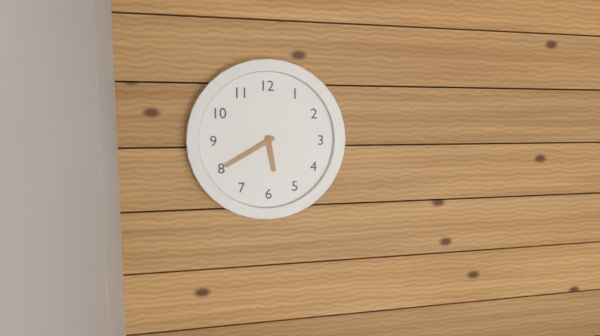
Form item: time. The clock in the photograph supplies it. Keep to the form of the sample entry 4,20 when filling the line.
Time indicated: 5,40
